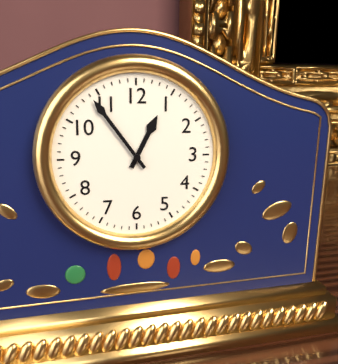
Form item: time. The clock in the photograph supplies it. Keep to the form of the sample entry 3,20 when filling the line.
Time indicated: 12,54
